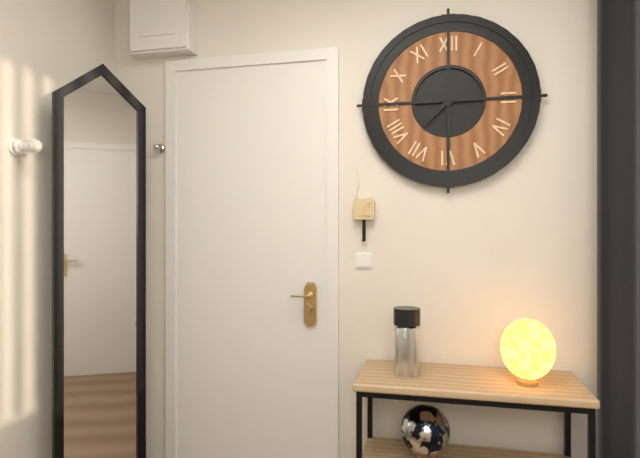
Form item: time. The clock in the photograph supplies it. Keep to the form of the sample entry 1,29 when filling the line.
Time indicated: 7,30
